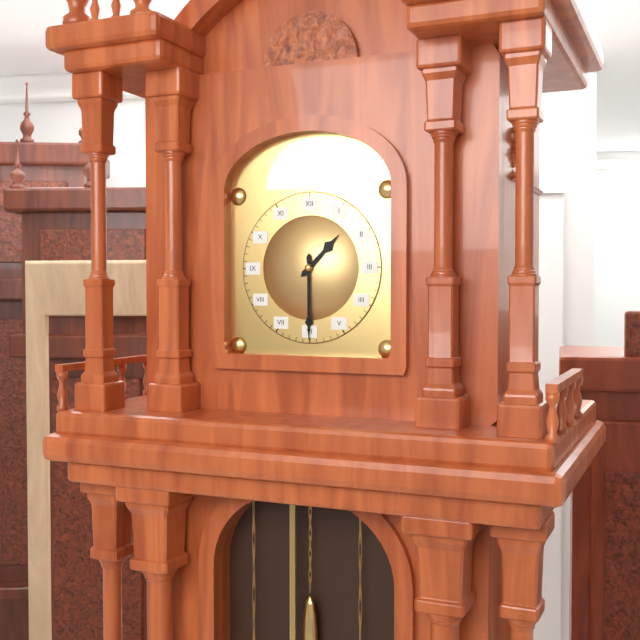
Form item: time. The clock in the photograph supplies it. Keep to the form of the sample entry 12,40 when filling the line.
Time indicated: 1,30
